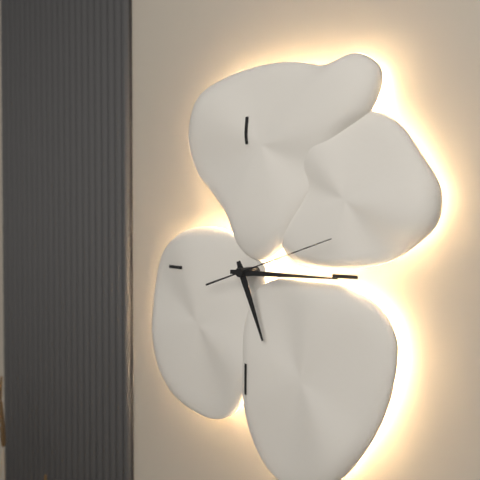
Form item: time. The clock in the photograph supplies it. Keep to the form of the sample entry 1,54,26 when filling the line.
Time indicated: 5,15,12
